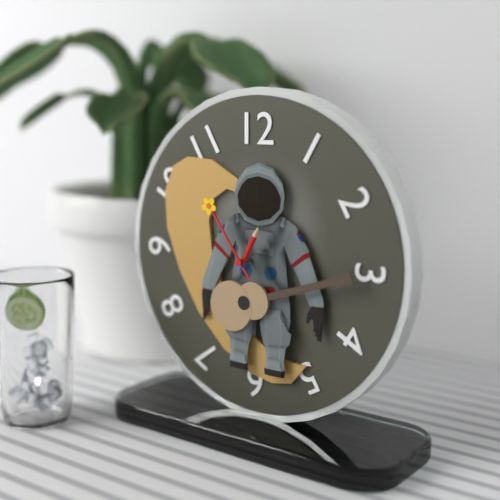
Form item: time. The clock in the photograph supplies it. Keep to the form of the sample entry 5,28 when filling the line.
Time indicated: 12,54
